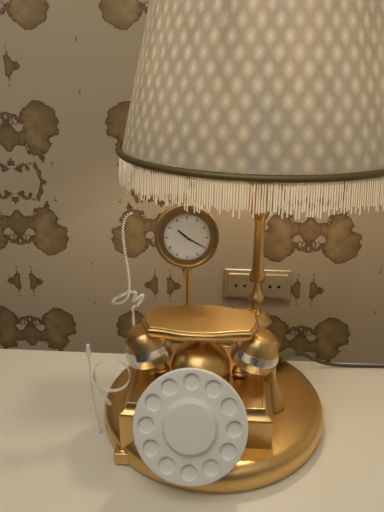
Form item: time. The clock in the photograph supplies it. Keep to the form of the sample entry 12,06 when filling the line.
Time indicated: 10,20
